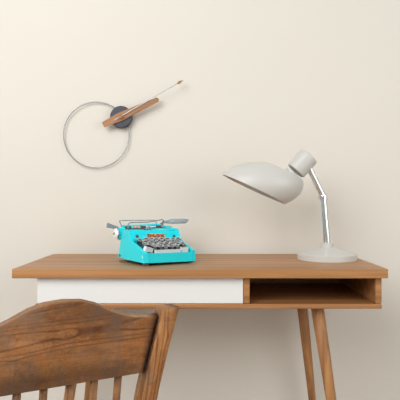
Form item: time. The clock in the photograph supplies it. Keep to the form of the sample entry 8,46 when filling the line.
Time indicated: 2,10
